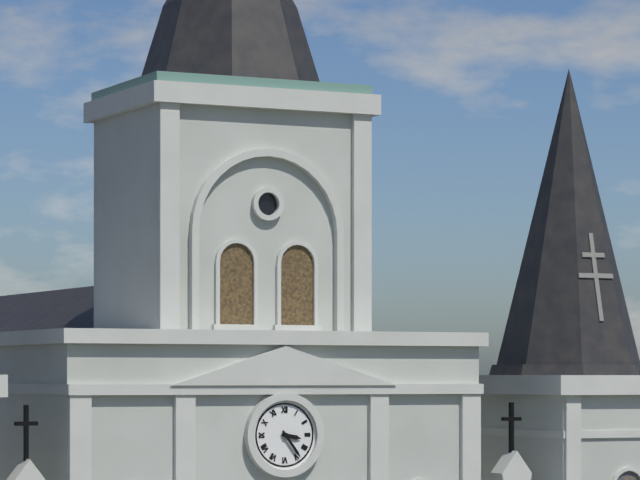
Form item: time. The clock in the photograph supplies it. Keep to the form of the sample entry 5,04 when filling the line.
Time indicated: 3,24
